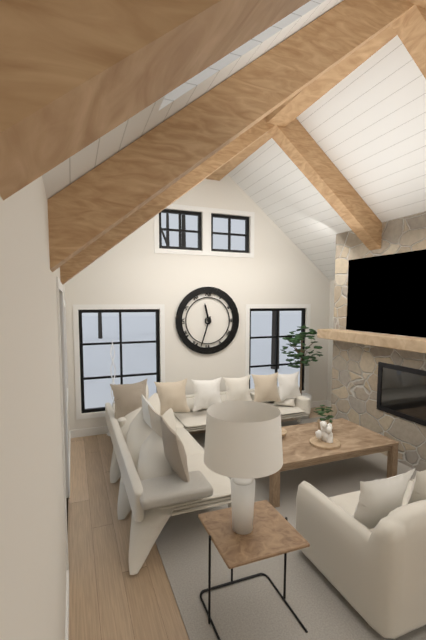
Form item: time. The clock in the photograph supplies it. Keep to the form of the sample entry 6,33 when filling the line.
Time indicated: 11,33
